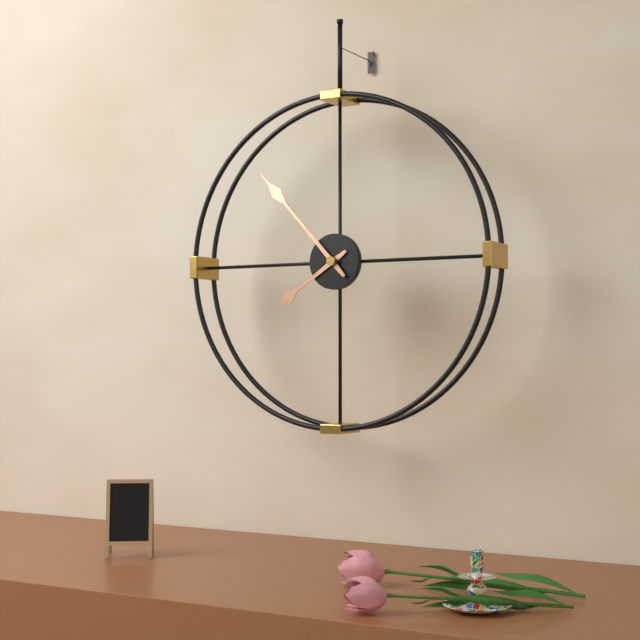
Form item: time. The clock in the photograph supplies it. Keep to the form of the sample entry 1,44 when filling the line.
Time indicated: 7,53
